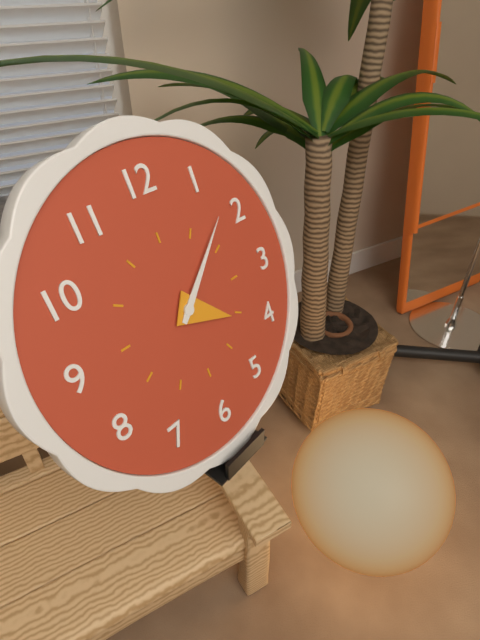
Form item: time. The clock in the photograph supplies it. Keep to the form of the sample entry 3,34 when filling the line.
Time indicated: 4,08
